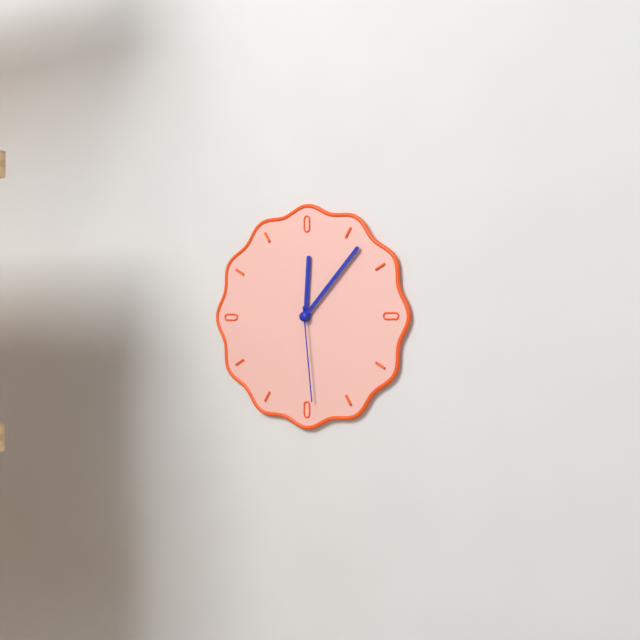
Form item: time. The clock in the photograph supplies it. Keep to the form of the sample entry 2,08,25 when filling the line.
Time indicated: 12,07,29
